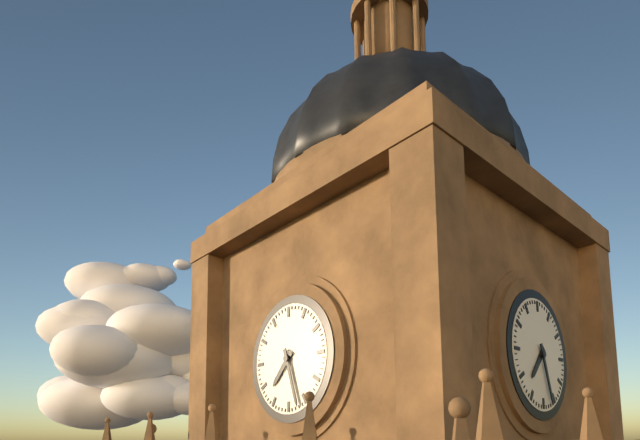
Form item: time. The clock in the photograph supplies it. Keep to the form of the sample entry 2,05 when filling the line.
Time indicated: 7,27
